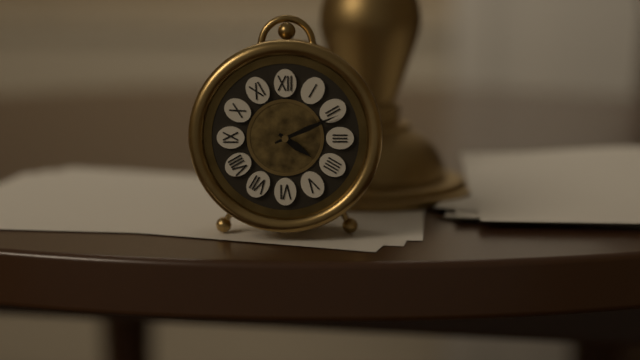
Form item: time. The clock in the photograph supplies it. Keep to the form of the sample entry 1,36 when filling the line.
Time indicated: 4,11
